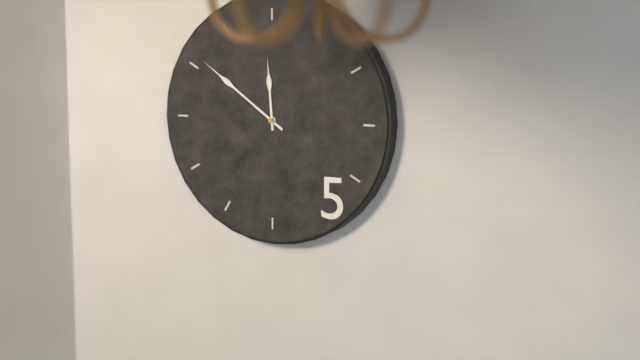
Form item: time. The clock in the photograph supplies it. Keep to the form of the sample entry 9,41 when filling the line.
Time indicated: 11,51
